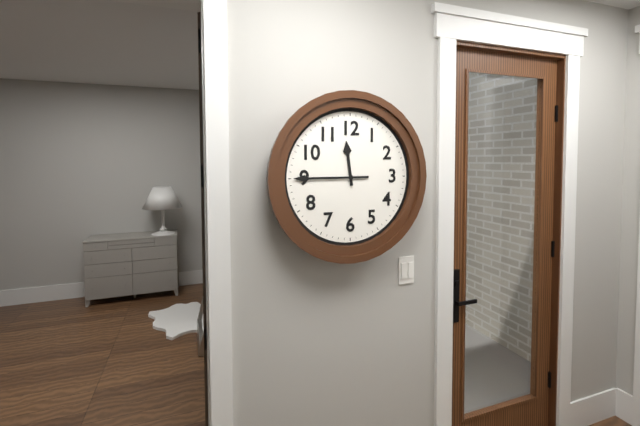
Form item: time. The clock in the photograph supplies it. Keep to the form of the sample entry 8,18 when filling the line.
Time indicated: 11,45
